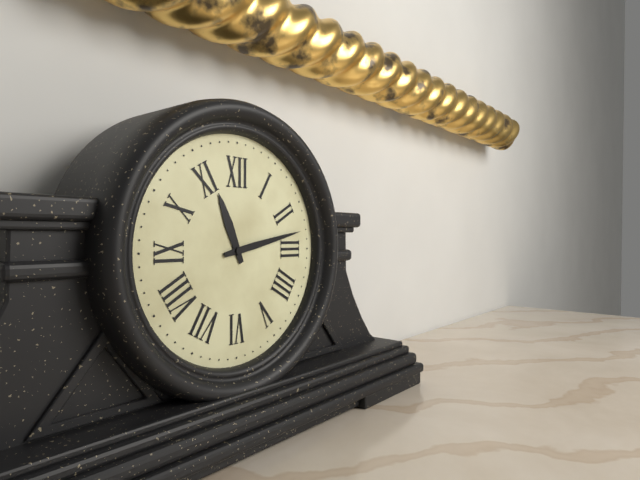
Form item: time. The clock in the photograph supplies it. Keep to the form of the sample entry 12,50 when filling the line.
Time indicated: 11,13
